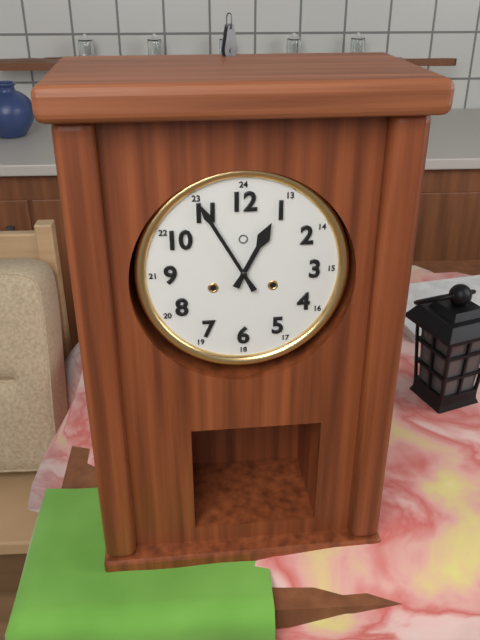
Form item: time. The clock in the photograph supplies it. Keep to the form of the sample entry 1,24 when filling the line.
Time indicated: 12,55
